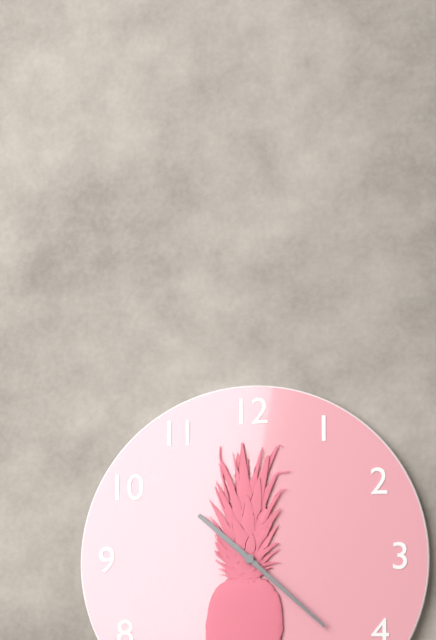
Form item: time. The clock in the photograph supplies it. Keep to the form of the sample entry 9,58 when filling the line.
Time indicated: 10,22
